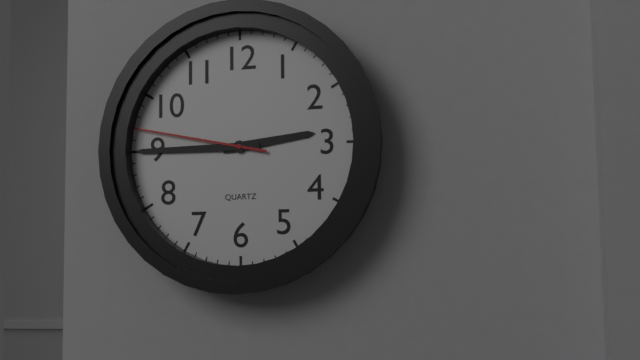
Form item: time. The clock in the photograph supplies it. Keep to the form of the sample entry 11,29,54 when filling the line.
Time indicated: 2,45,47
